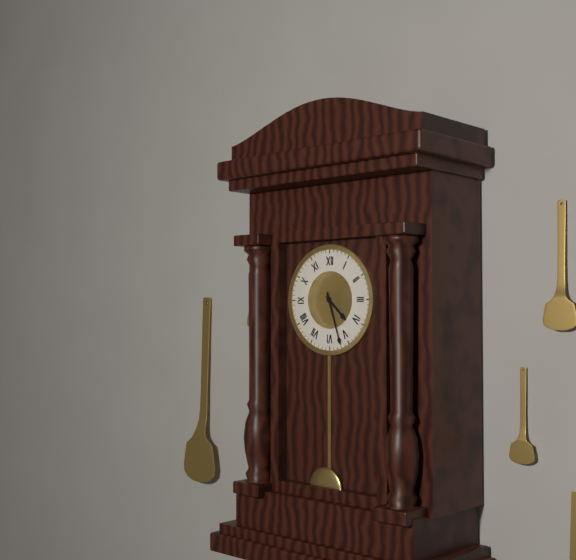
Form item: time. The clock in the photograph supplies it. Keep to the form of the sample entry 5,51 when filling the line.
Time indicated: 4,27
